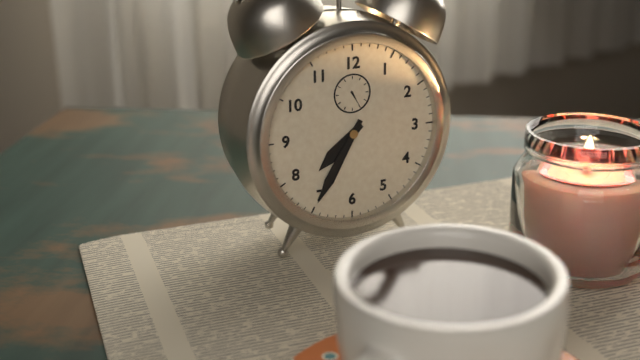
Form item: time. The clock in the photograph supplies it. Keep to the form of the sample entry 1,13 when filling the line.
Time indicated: 7,35
